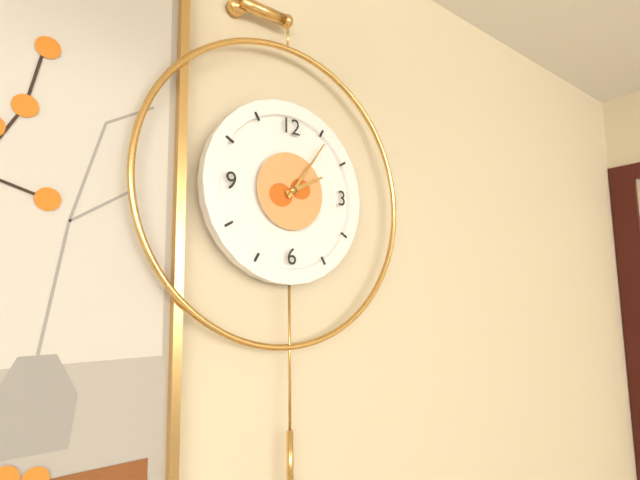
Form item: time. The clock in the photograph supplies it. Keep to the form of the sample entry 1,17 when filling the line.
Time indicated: 2,06
